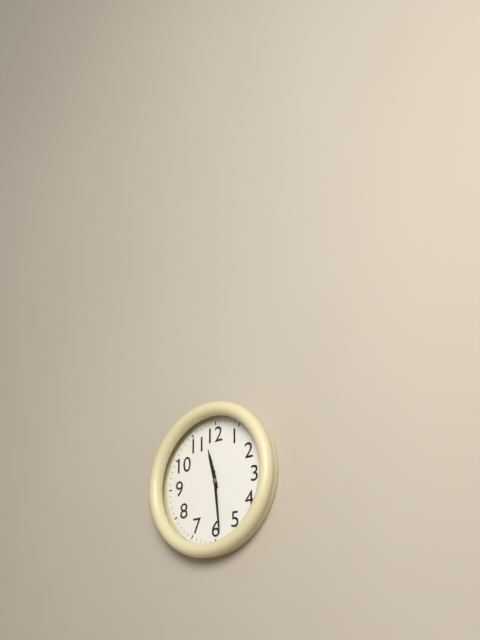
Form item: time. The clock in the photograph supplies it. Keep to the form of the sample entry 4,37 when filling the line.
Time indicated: 11,29
